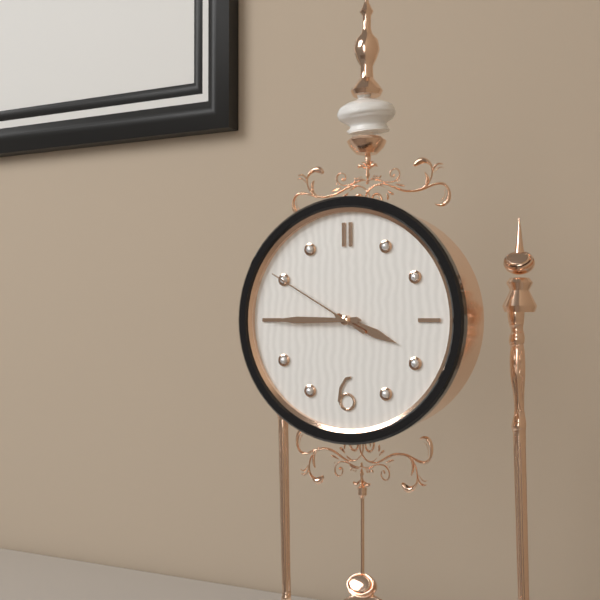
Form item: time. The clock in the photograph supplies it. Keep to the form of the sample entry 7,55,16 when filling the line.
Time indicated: 3,45,50
